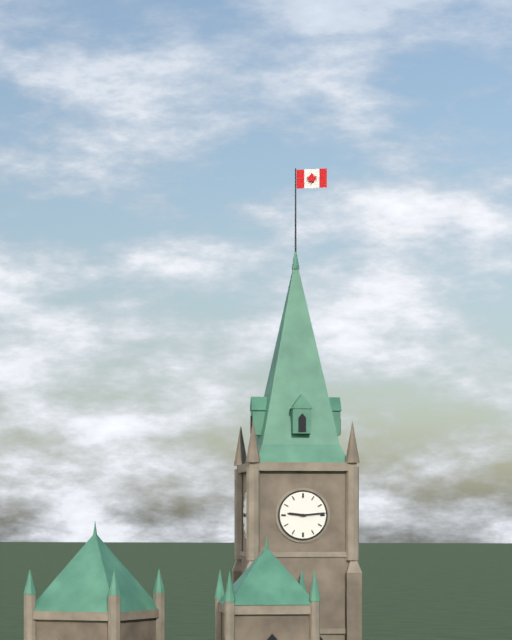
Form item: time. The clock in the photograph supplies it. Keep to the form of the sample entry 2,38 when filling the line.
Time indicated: 9,14
